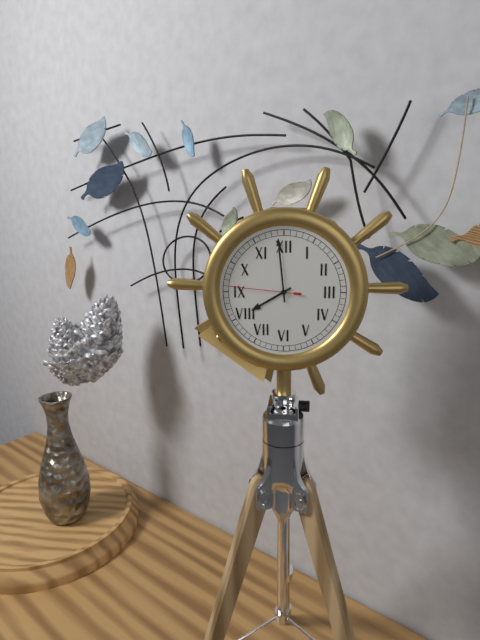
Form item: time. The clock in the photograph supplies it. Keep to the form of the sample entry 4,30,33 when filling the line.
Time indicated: 7,59,46
